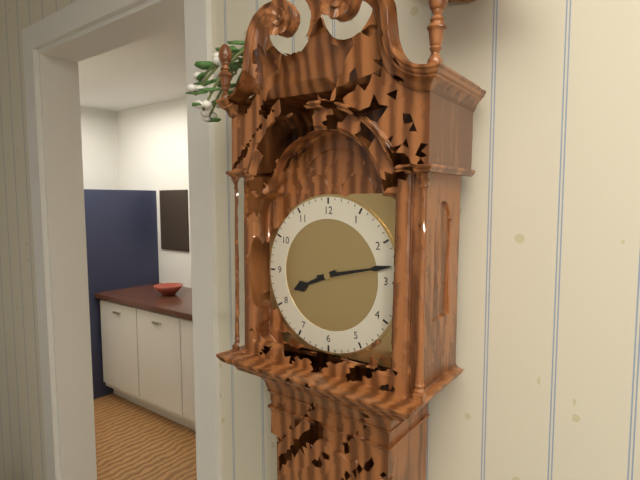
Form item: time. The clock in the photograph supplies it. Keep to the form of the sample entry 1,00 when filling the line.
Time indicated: 8,13
